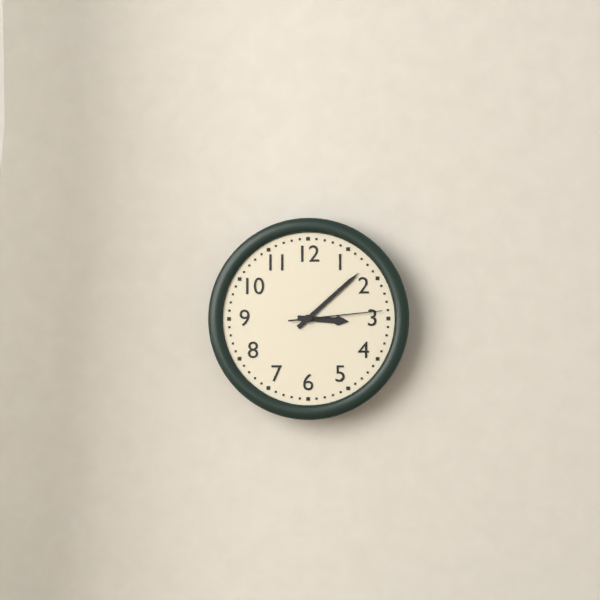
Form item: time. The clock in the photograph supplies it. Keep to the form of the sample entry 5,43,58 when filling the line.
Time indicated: 3,08,14
